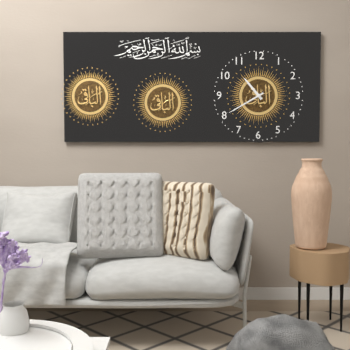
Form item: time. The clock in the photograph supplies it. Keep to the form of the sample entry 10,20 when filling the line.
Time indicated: 10,40
